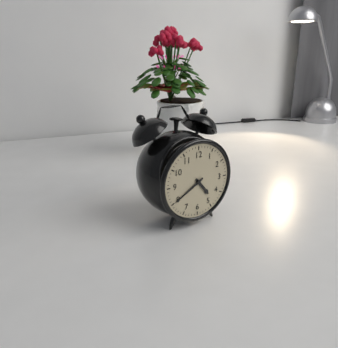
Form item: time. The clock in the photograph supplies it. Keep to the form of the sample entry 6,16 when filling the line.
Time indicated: 4,40
